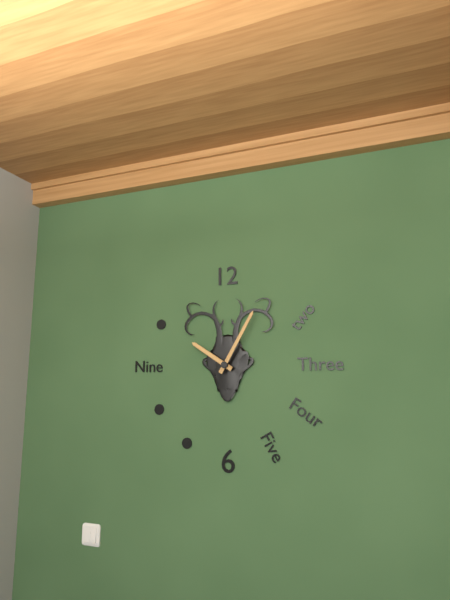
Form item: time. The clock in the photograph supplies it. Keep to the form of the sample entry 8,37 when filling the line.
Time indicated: 10,05
